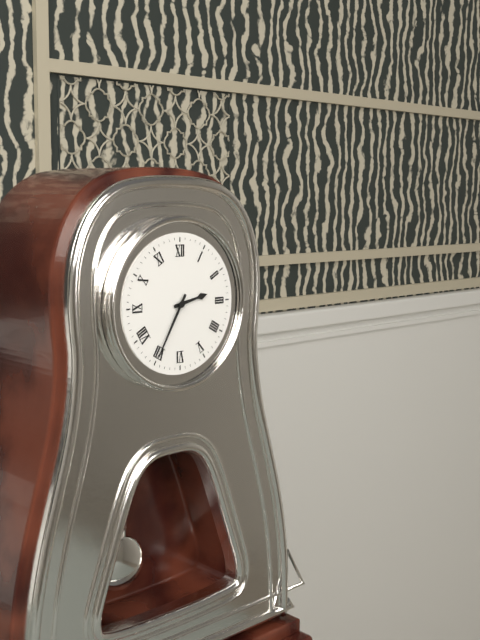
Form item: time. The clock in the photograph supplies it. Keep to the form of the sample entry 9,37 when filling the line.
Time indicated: 2,35
